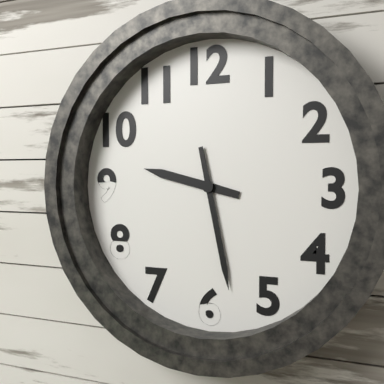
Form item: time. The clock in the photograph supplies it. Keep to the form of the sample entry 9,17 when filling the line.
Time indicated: 9,28
